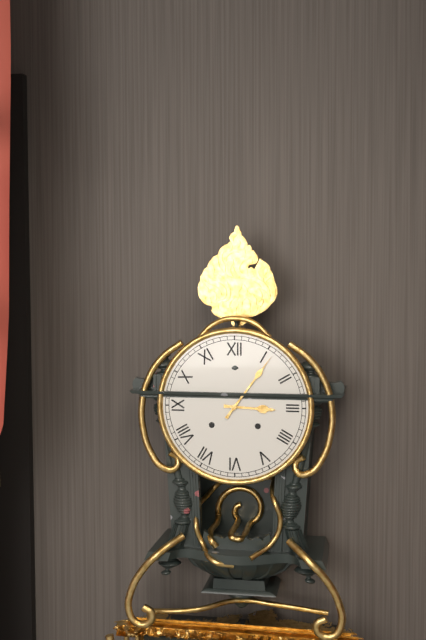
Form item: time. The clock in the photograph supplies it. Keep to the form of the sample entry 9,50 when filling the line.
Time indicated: 3,06
